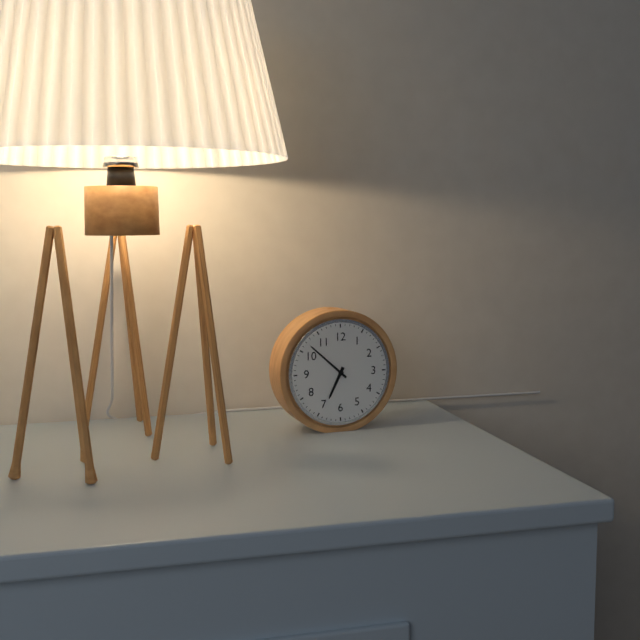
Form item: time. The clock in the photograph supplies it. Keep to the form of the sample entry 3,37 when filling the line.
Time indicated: 6,52
